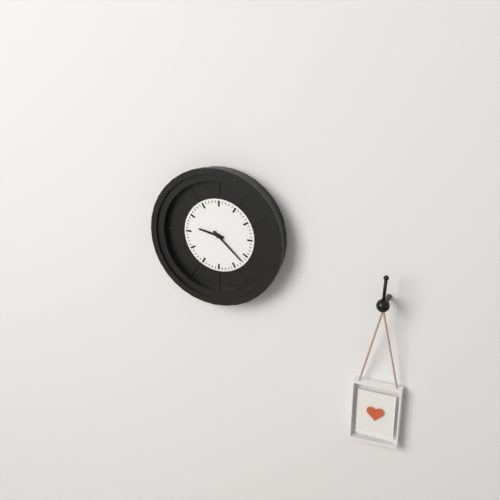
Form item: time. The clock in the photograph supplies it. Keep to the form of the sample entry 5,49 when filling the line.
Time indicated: 9,22
